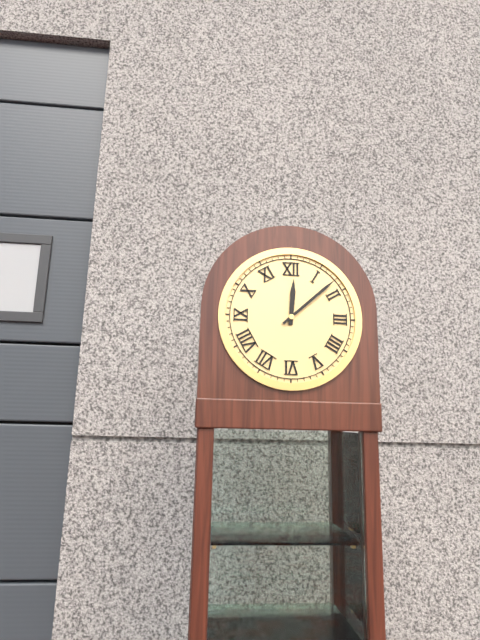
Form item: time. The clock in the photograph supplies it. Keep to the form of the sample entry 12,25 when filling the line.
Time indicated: 12,08
